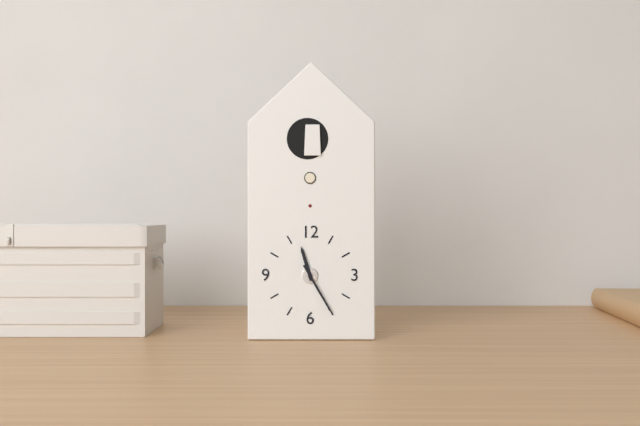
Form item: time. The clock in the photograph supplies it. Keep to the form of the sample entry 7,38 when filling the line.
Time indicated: 11,25
